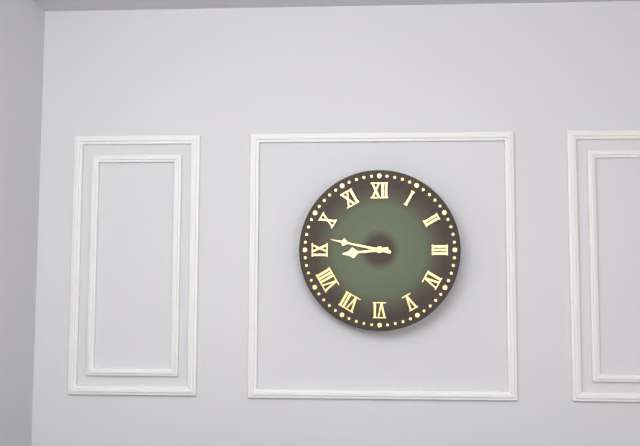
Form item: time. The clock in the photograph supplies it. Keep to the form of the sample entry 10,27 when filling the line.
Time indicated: 8,47
